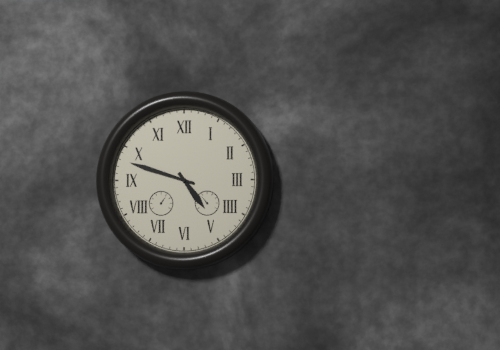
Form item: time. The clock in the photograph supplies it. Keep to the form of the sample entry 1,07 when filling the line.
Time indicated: 4,48
